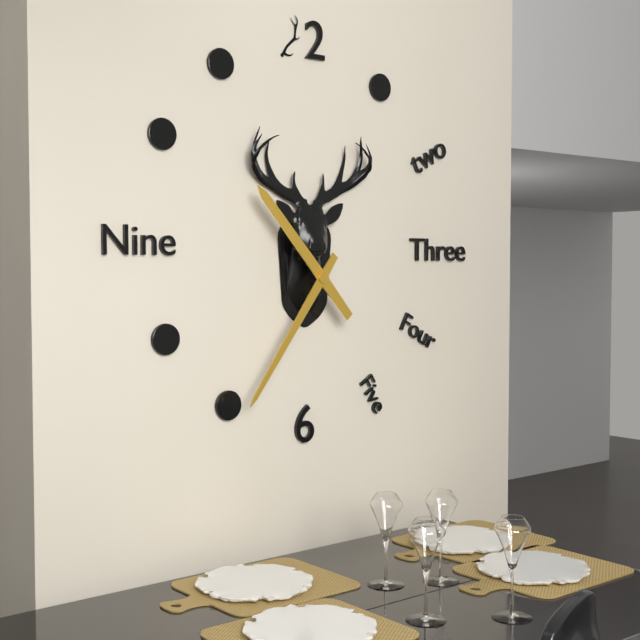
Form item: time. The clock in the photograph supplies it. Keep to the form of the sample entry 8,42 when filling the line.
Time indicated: 10,36
